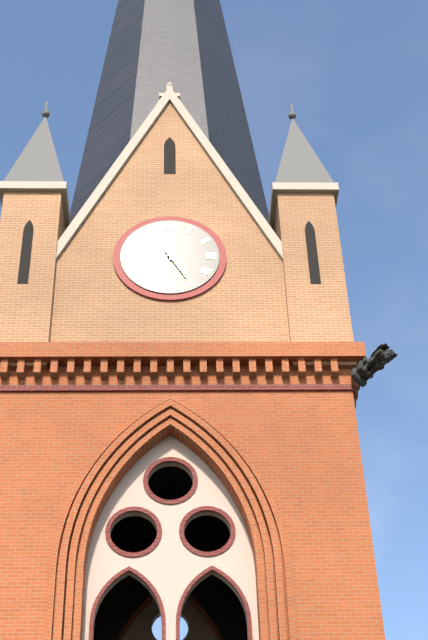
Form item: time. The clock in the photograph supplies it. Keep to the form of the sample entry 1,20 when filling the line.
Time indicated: 11,25
